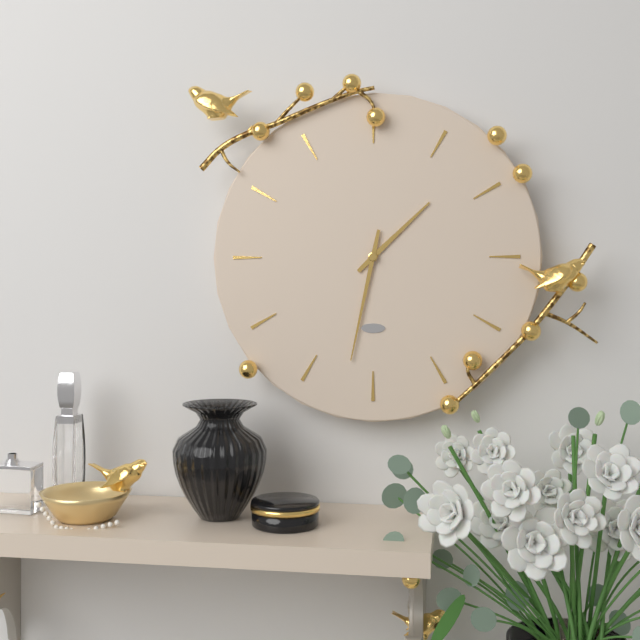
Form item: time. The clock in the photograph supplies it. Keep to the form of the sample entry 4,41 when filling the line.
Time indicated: 1,32
